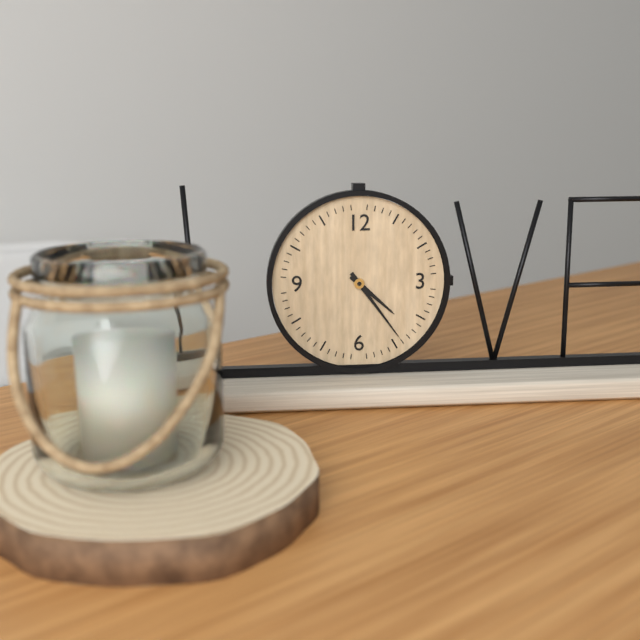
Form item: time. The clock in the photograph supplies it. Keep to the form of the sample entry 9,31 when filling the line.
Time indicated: 4,24
